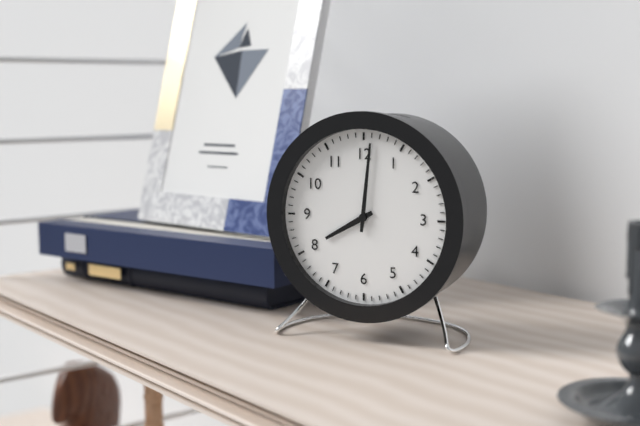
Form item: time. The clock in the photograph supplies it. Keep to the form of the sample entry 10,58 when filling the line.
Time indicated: 8,01
